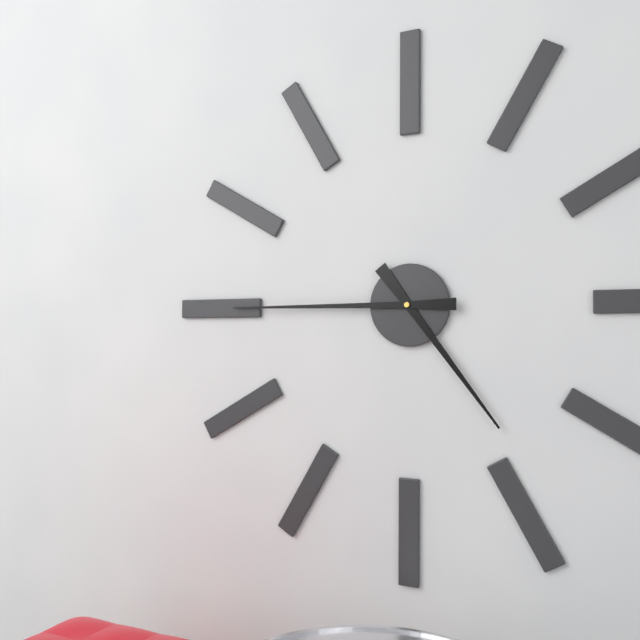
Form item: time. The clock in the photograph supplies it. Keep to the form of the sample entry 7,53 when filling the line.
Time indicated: 4,45
